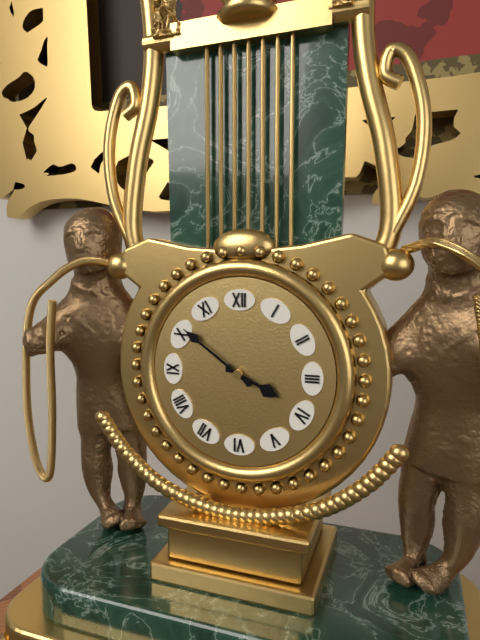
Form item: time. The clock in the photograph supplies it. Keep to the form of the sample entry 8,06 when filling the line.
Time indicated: 3,51
